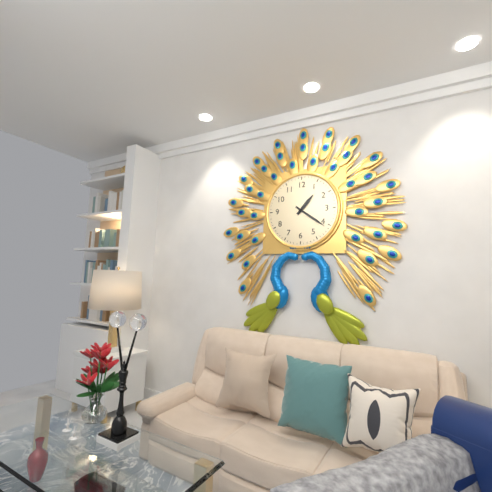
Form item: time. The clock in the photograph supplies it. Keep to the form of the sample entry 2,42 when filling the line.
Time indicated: 1,21
